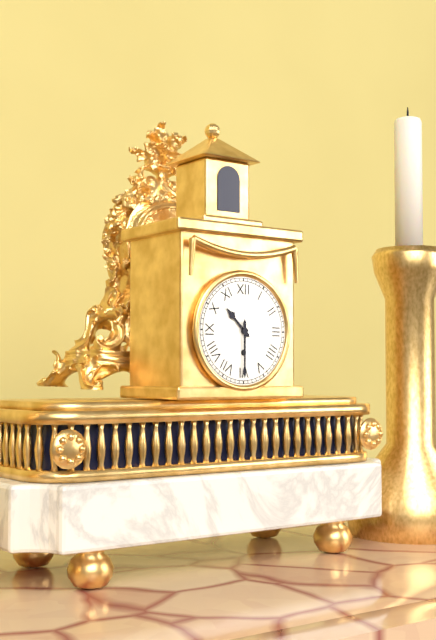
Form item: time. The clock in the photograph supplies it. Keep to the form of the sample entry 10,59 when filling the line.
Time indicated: 10,30
